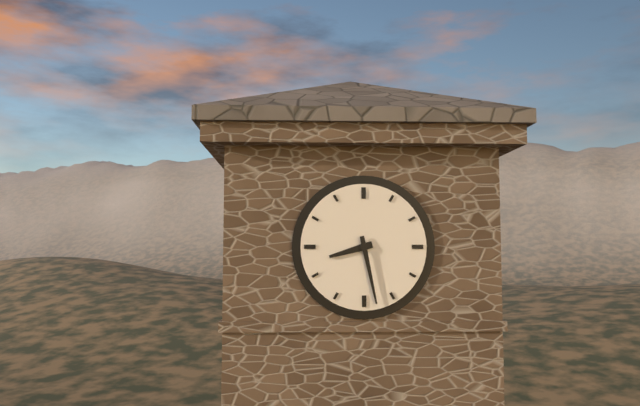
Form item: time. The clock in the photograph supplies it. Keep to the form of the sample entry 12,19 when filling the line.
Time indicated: 8,28
